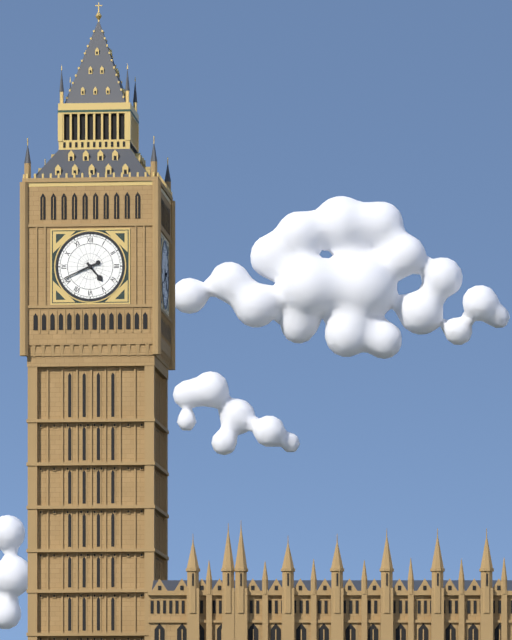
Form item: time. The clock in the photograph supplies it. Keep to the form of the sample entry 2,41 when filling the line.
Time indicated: 4,41
